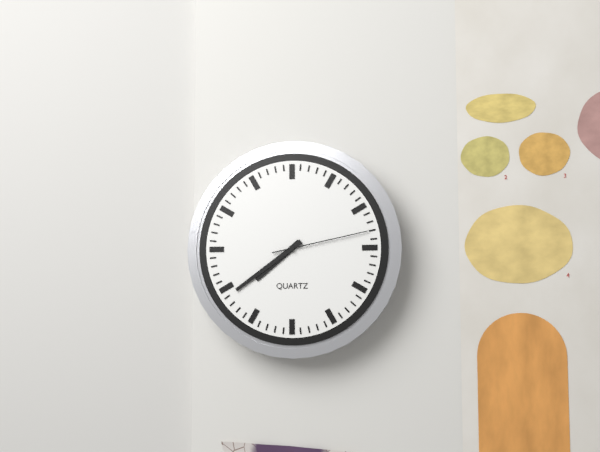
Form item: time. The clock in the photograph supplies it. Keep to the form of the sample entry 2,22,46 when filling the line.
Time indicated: 7,39,13
